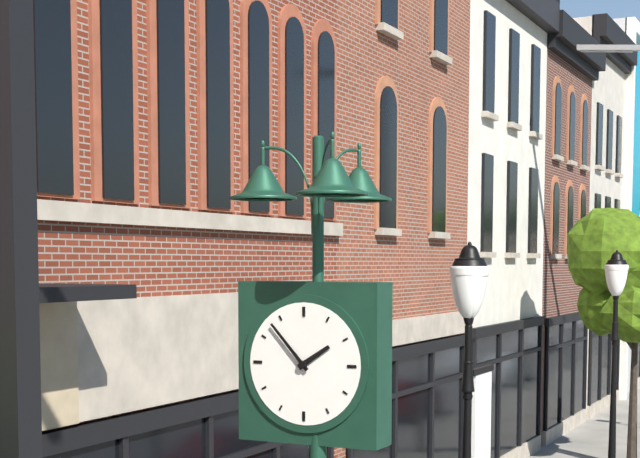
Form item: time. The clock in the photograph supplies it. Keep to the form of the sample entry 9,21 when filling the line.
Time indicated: 1,53
